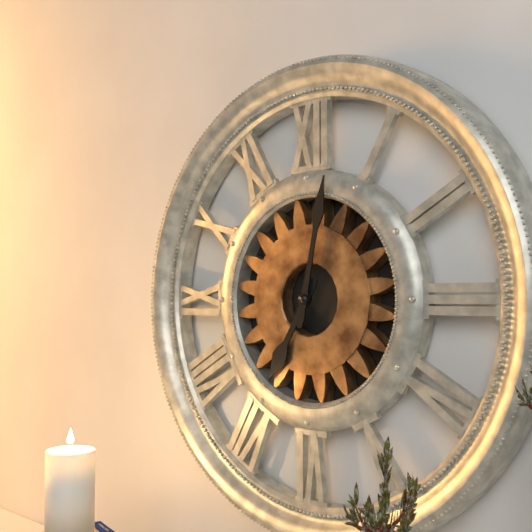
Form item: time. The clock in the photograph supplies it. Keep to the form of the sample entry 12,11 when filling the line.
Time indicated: 7,02
